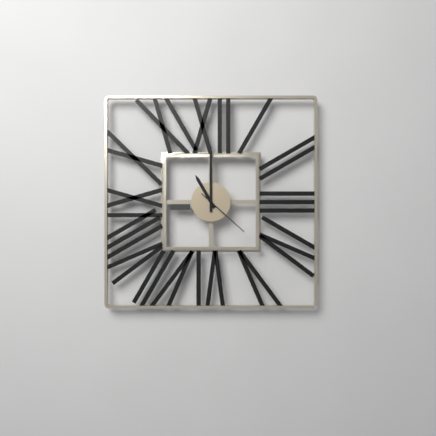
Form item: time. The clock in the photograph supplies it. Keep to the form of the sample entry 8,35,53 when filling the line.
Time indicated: 11,00,22
